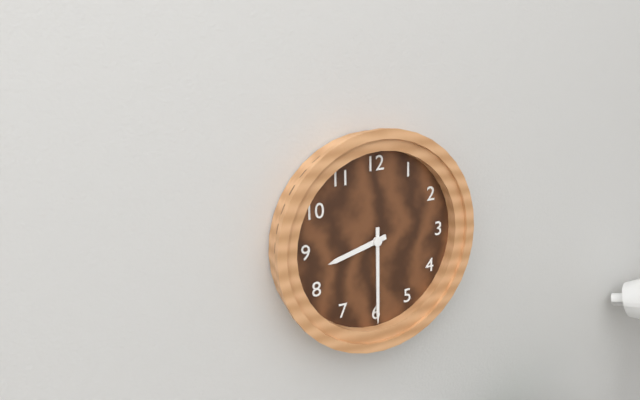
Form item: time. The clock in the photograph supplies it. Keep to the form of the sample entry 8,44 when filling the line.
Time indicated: 8,30
